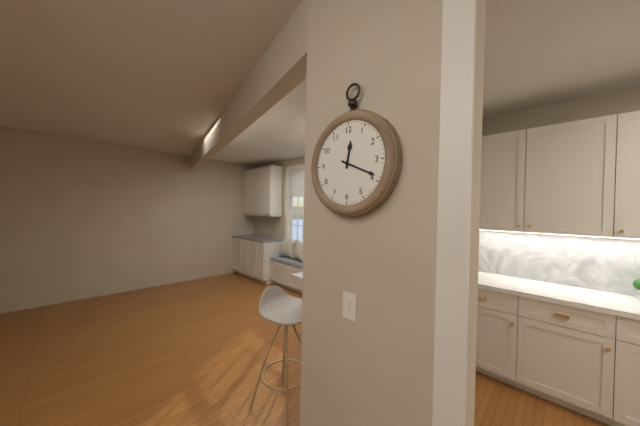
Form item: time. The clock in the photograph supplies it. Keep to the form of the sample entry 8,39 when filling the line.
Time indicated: 12,19
